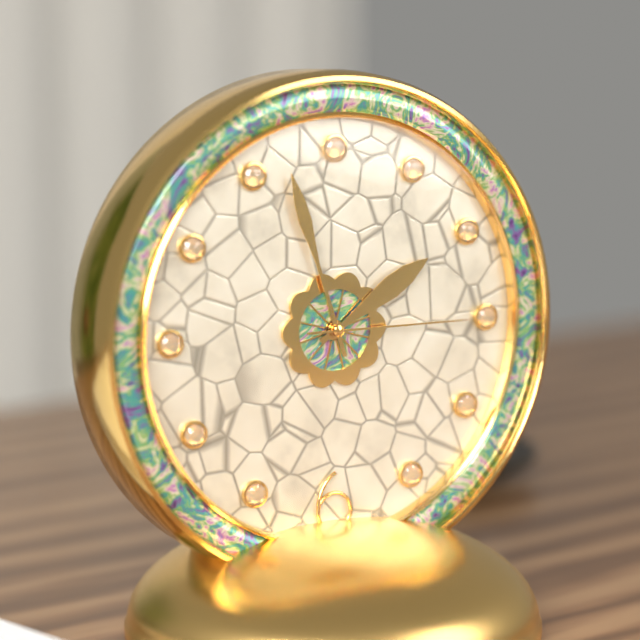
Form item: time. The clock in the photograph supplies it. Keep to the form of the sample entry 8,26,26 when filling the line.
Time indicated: 1,57,15
